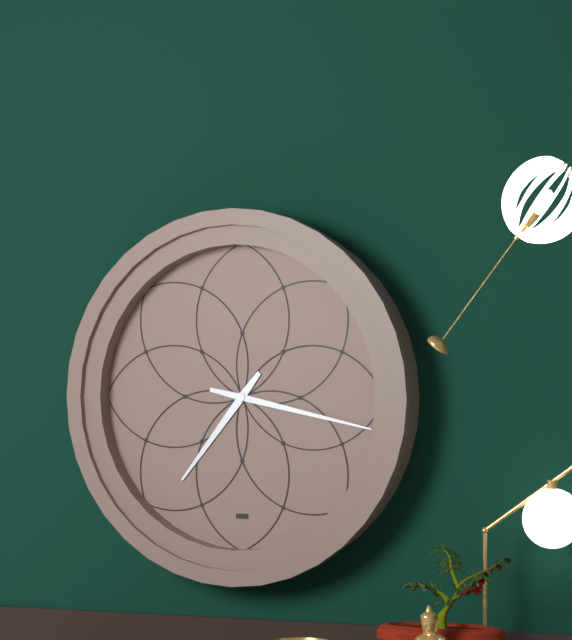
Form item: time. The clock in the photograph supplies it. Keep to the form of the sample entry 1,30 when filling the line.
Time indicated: 7,17
